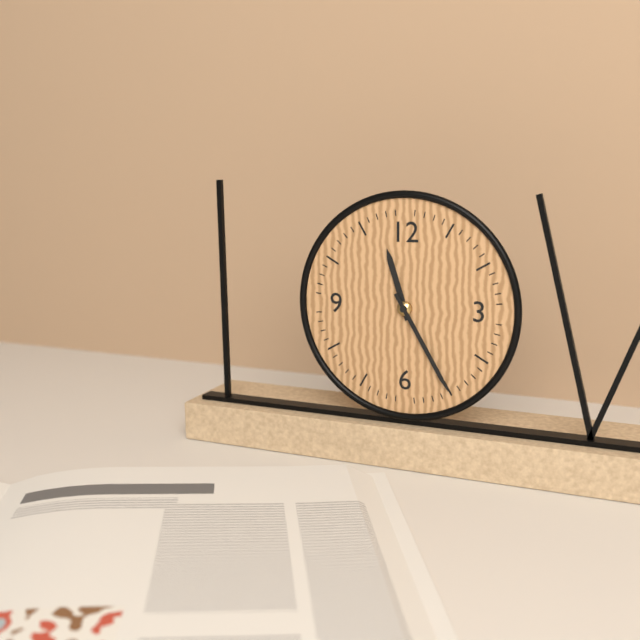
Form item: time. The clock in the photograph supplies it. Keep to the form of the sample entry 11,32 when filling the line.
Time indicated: 11,25
